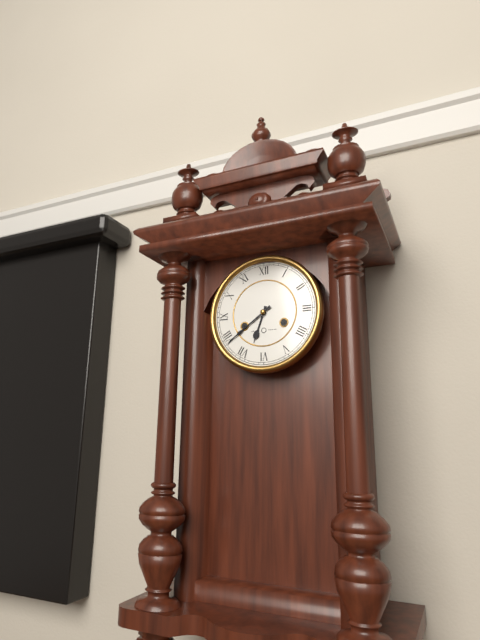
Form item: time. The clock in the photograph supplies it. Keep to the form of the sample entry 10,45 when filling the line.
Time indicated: 6,39
